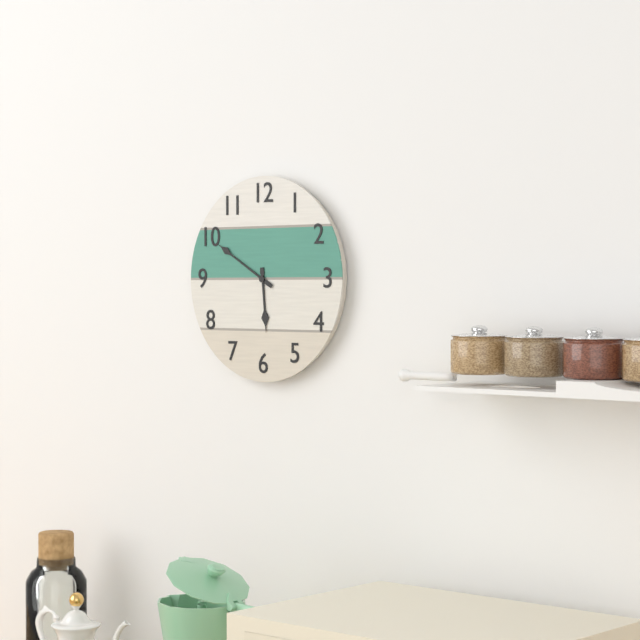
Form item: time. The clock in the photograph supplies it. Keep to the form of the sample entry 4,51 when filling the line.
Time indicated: 5,50
